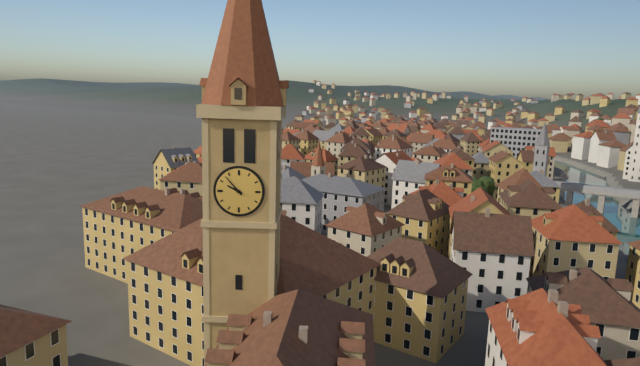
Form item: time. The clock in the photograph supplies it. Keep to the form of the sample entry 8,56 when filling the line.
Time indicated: 9,53
